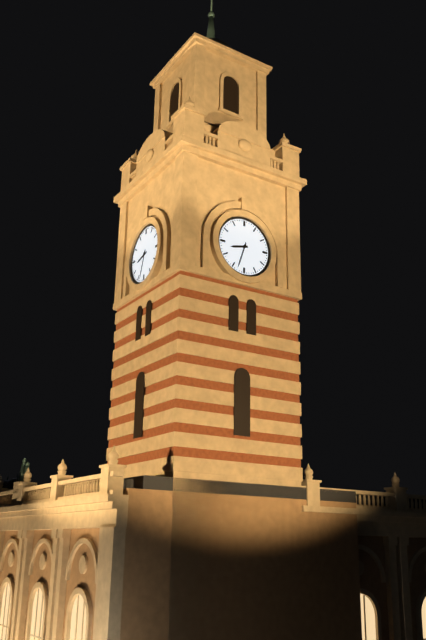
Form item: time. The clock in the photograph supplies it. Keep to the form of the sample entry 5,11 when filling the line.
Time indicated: 8,33
